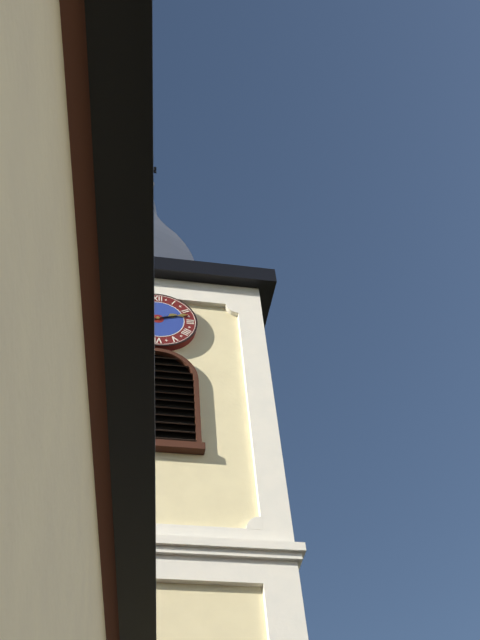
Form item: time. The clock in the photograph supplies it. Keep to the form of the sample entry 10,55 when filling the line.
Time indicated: 2,12
